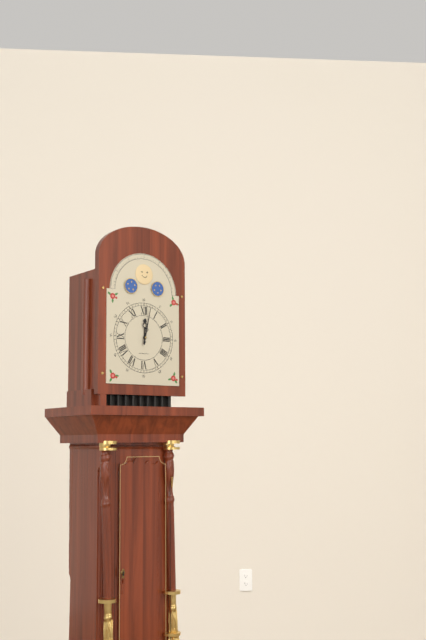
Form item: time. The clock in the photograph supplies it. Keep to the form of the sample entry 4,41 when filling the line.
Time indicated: 12,02
